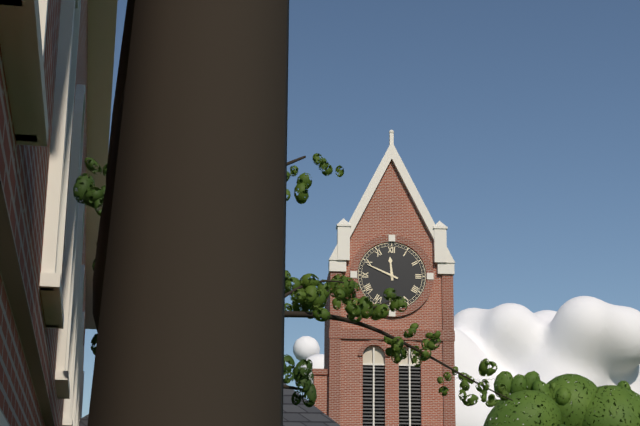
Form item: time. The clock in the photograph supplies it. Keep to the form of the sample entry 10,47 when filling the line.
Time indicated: 11,49
